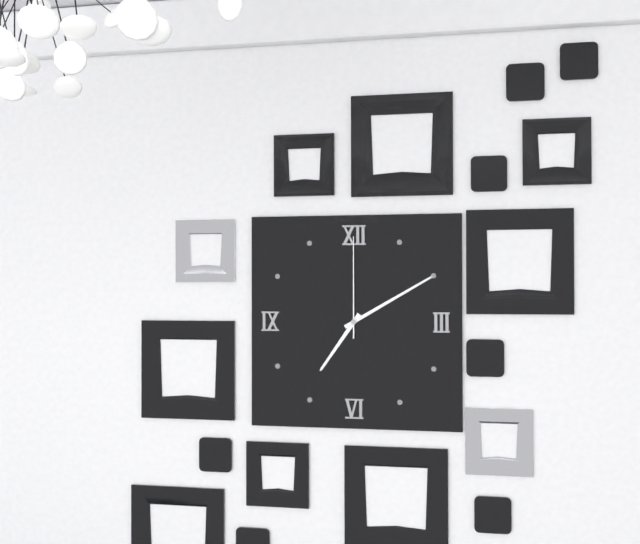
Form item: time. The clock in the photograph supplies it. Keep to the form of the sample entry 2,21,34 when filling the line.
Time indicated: 7,10,00
